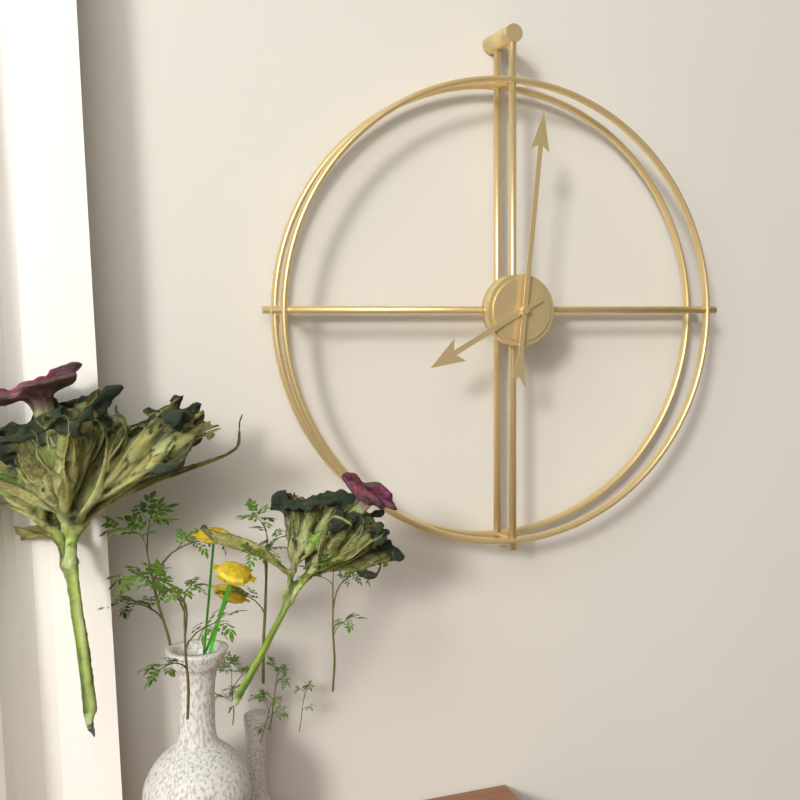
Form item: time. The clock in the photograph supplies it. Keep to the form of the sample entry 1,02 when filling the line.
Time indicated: 8,01
